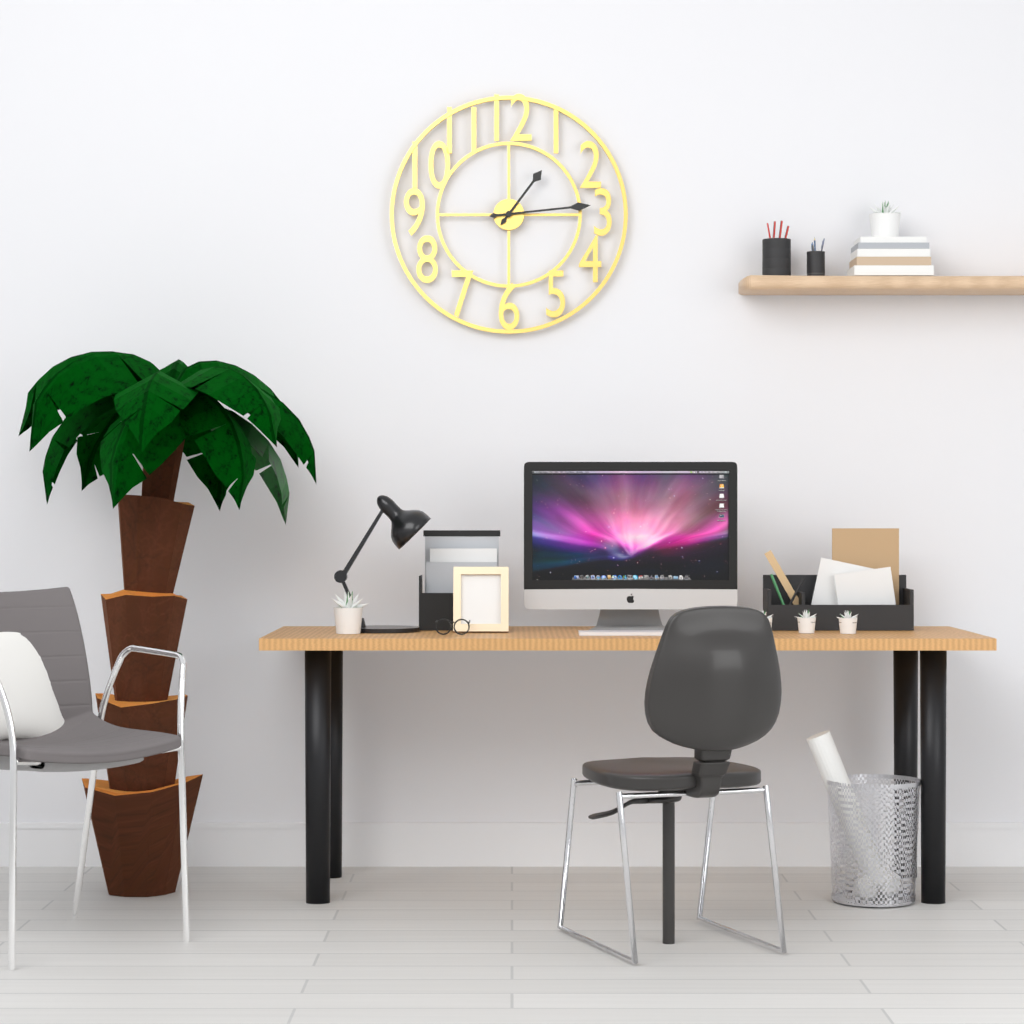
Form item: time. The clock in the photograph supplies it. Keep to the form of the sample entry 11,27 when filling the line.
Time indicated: 1,14
